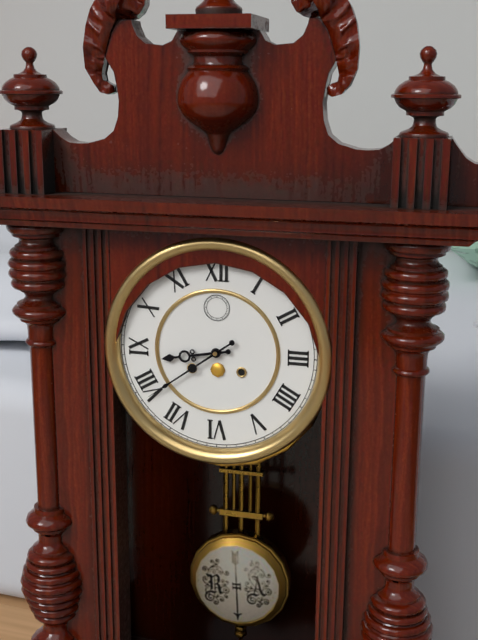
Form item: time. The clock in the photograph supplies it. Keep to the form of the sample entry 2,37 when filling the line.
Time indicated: 8,39
